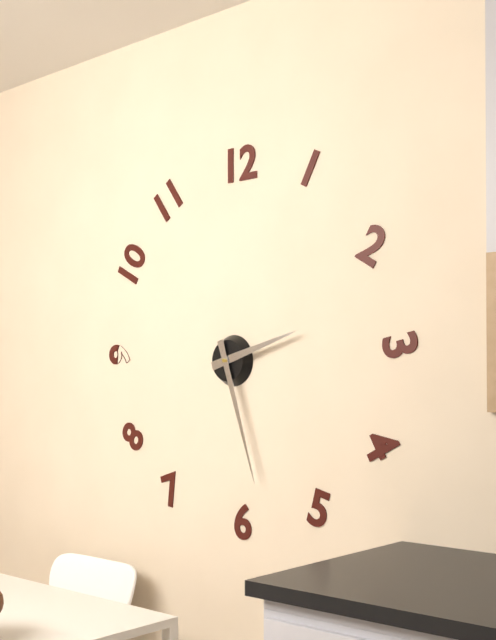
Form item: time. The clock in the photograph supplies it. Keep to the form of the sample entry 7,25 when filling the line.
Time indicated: 2,27
